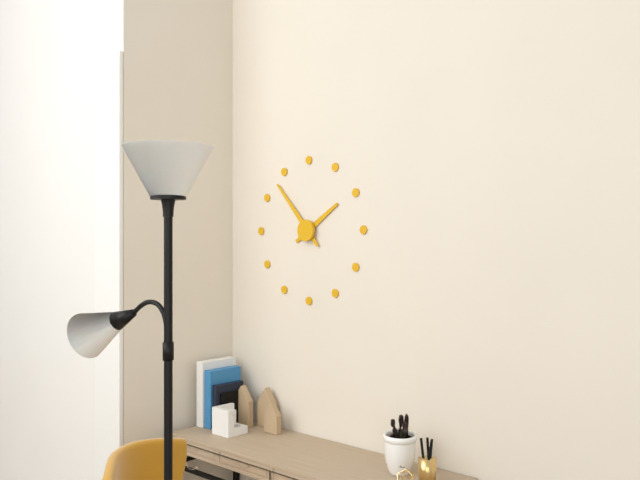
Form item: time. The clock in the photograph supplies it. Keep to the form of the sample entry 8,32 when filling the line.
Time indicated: 1,53
